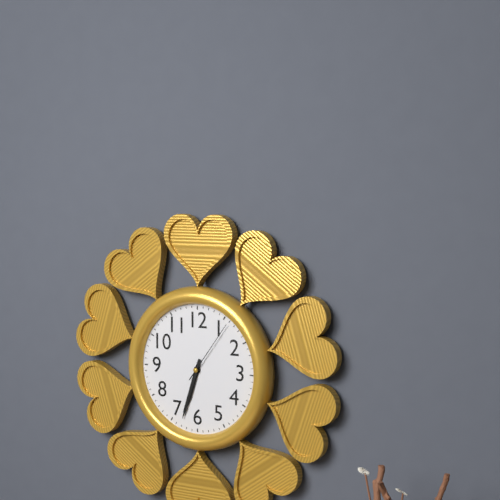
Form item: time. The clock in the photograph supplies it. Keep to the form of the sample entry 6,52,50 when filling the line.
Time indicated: 6,33,06
